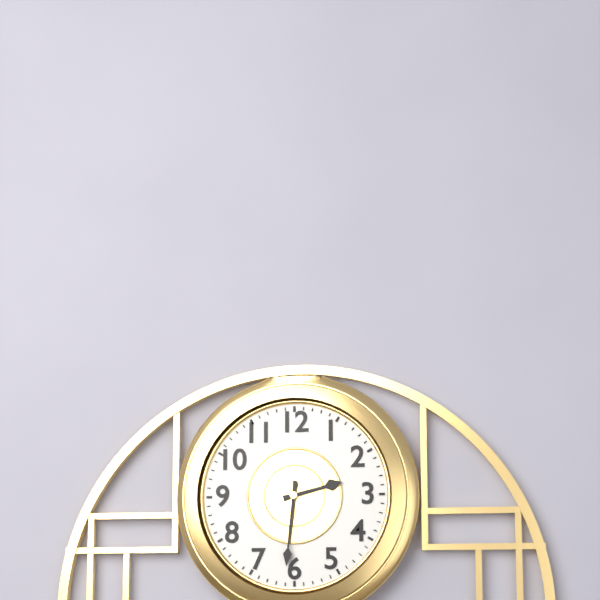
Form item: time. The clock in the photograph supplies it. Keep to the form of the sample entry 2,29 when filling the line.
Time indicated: 2,31
